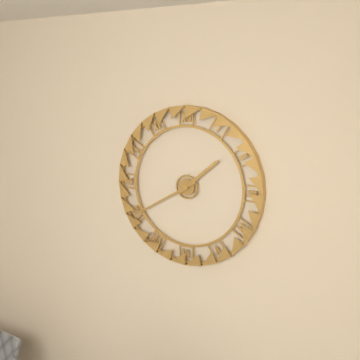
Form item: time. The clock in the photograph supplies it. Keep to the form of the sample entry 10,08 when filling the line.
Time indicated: 1,40
